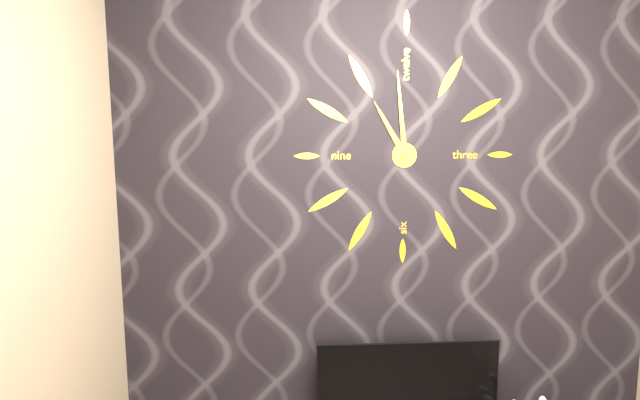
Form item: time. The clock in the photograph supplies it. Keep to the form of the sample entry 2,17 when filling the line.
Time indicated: 10,59
